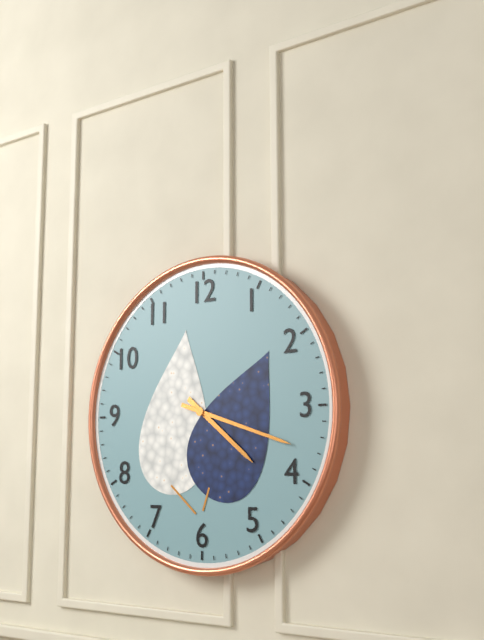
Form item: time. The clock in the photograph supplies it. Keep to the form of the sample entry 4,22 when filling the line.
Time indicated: 4,18
